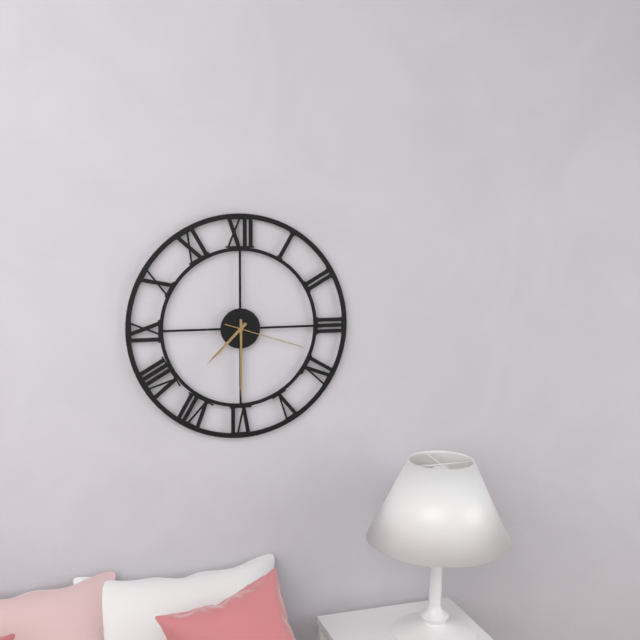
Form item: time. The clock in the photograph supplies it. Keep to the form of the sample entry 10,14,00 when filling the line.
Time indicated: 7,30,18
